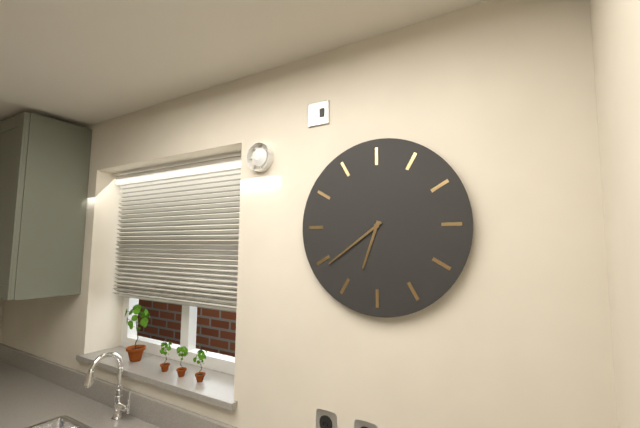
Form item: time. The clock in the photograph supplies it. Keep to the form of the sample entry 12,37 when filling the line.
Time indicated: 6,39
